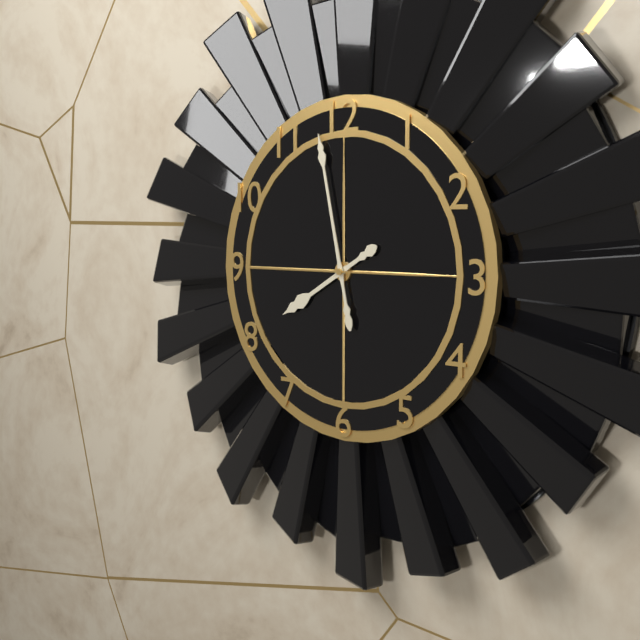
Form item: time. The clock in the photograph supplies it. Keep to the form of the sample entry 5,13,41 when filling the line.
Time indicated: 7,58,15
